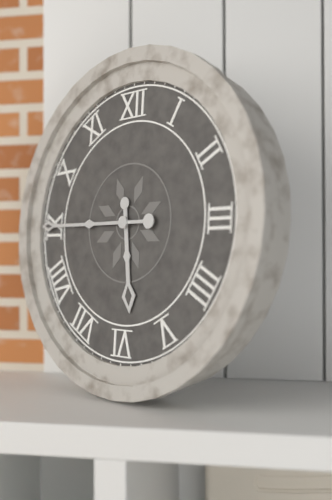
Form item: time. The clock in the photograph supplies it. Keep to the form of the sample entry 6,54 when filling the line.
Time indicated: 5,45
